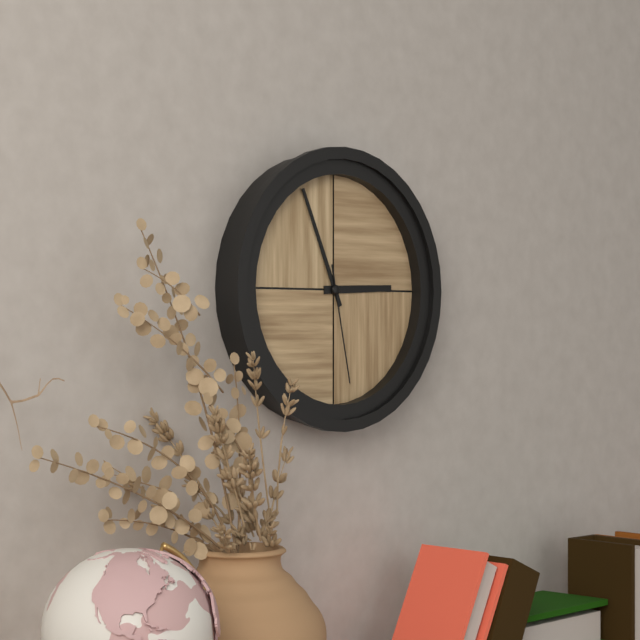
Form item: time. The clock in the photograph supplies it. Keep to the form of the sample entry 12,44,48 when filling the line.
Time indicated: 2,56,28
